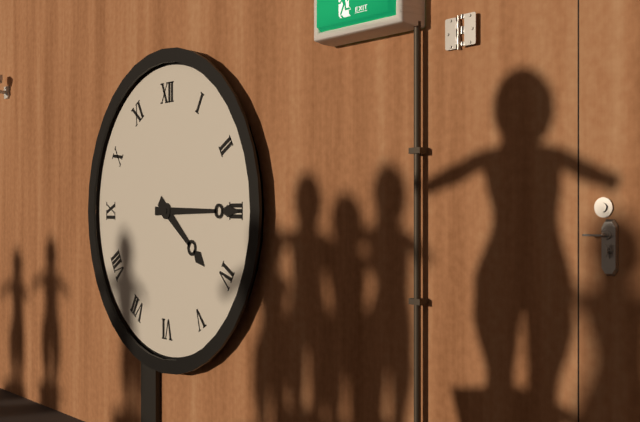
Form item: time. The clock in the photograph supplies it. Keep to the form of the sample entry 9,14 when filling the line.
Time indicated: 4,15
